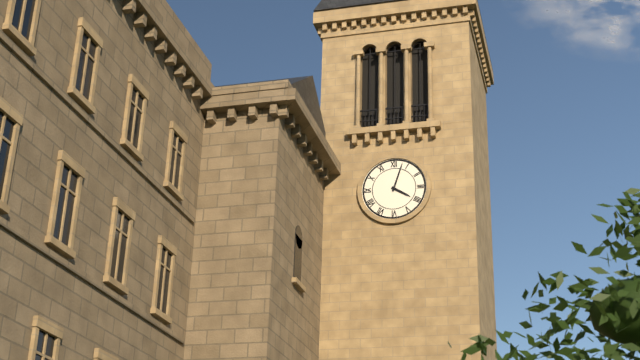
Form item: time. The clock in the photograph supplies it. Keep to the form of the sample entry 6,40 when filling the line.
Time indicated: 4,03
